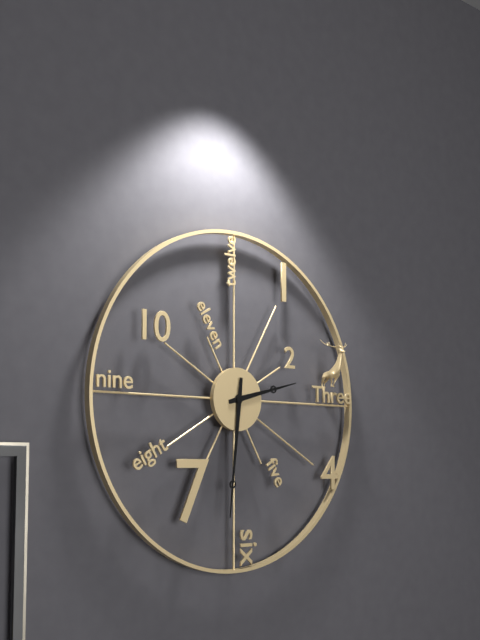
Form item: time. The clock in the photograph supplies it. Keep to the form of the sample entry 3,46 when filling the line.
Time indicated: 2,31
